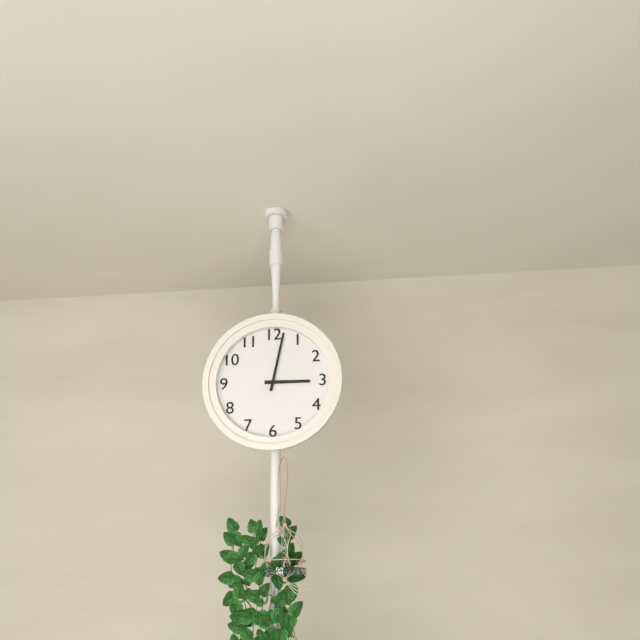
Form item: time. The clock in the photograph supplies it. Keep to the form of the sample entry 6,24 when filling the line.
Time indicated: 3,02
